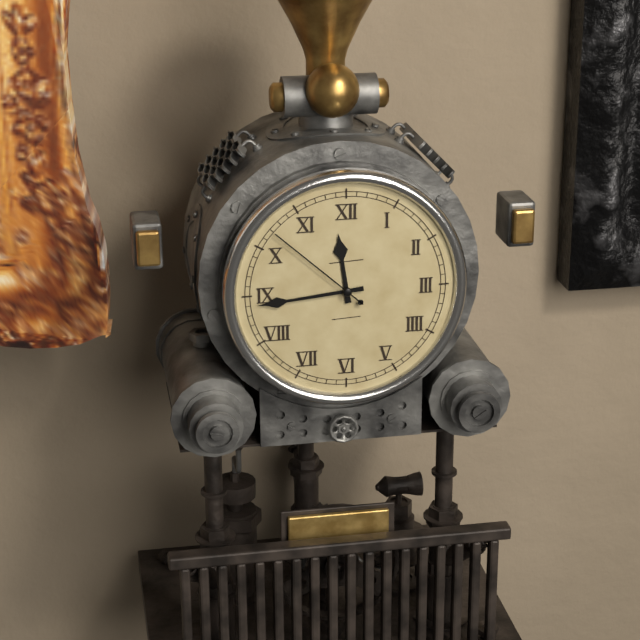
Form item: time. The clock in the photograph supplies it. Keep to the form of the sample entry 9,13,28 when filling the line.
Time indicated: 11,44,52
